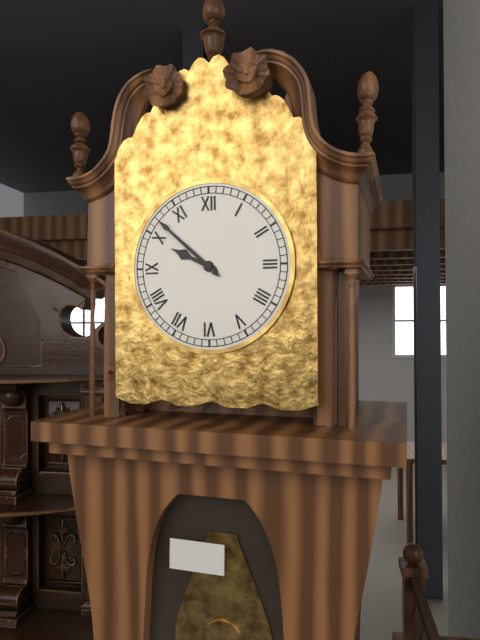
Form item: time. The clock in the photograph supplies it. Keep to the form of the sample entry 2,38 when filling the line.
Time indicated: 9,52
